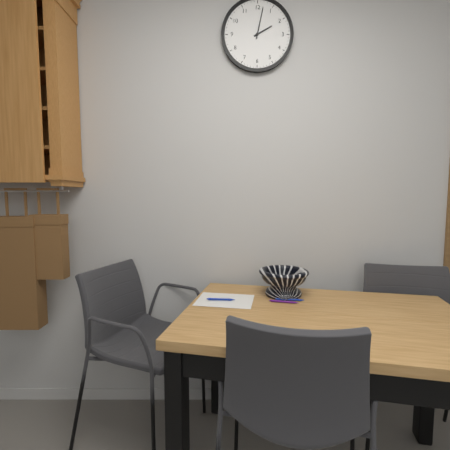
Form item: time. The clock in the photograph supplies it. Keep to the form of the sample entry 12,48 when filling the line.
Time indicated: 2,02
